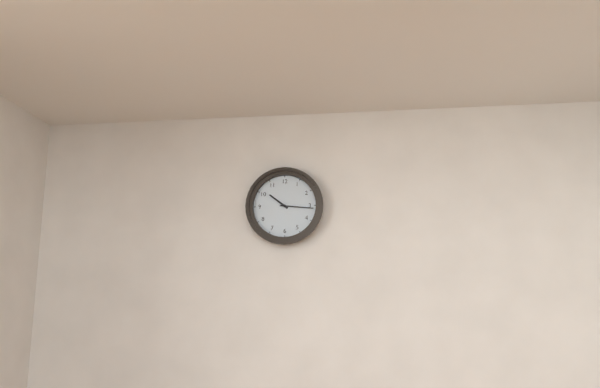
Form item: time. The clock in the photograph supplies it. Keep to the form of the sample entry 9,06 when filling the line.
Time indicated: 10,16
